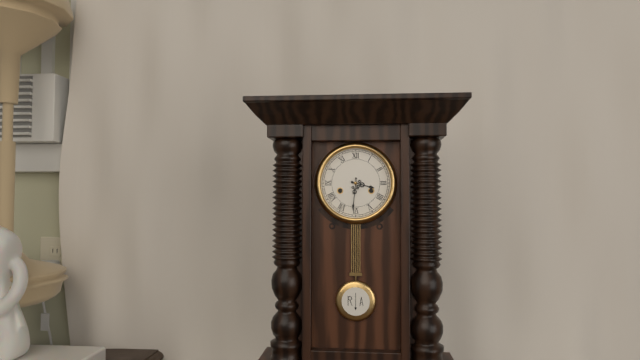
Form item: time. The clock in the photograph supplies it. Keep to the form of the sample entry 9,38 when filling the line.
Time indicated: 3,31
